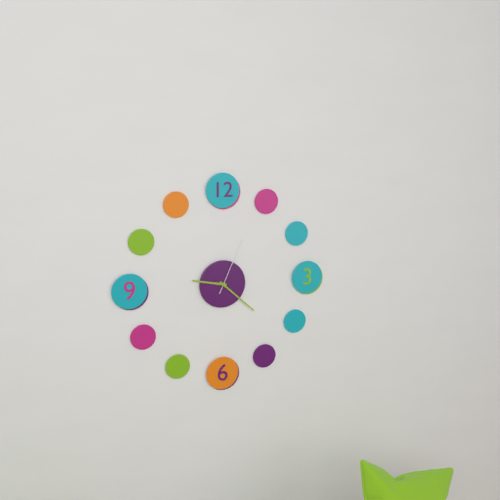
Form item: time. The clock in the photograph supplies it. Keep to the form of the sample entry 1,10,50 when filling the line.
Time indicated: 9,22,04
